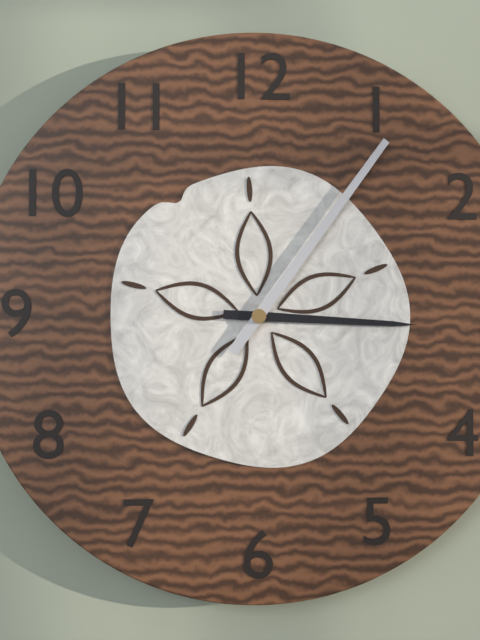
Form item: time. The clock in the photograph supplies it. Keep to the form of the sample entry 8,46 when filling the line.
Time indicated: 3,06
